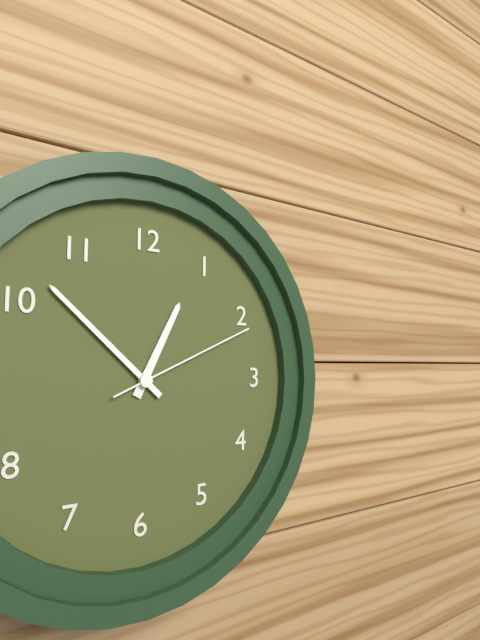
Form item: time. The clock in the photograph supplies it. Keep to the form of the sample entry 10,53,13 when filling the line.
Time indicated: 12,52,11
